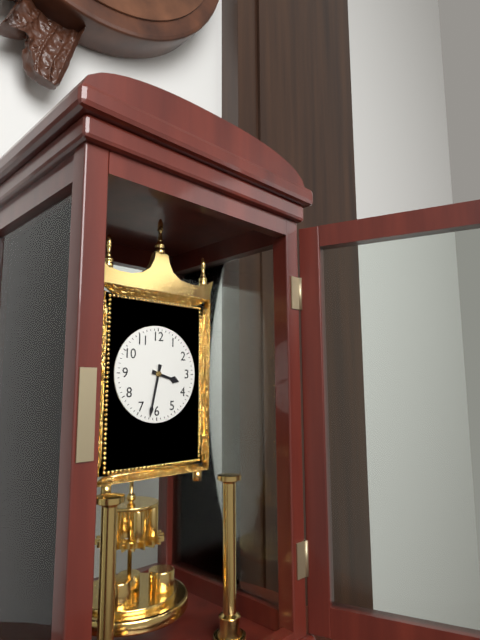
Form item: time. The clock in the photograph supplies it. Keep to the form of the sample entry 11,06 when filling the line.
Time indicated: 3,32
